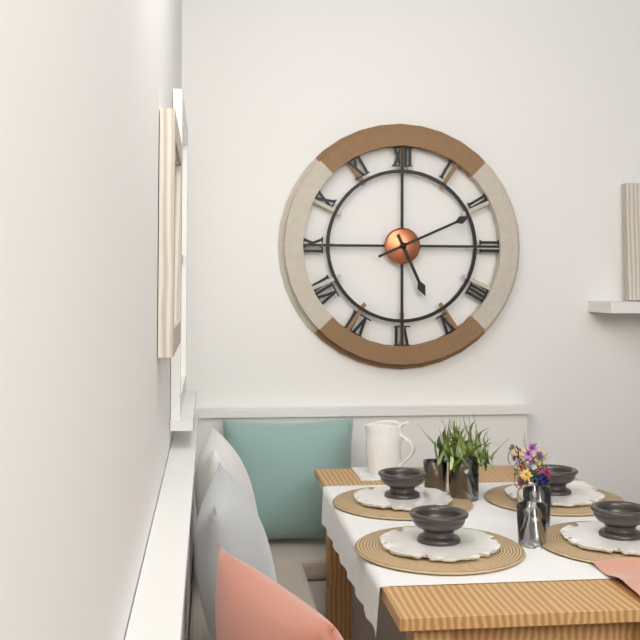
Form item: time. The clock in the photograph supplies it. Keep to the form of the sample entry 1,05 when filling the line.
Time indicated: 5,11
